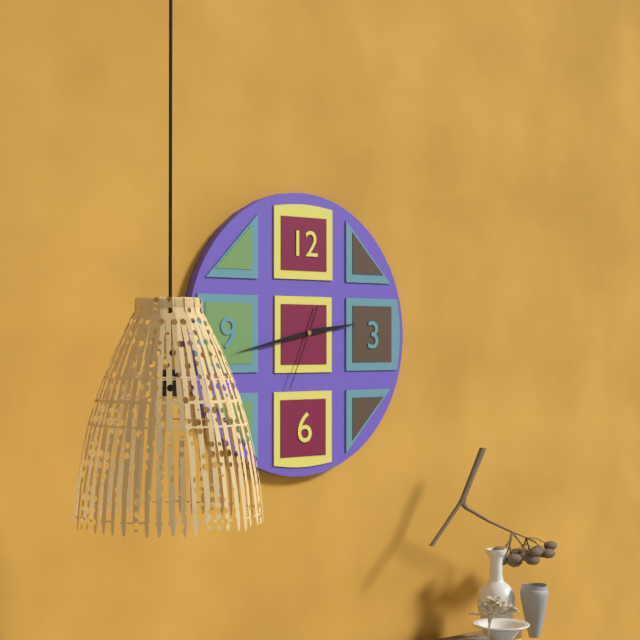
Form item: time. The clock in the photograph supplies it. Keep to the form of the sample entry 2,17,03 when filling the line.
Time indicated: 2,43,34
